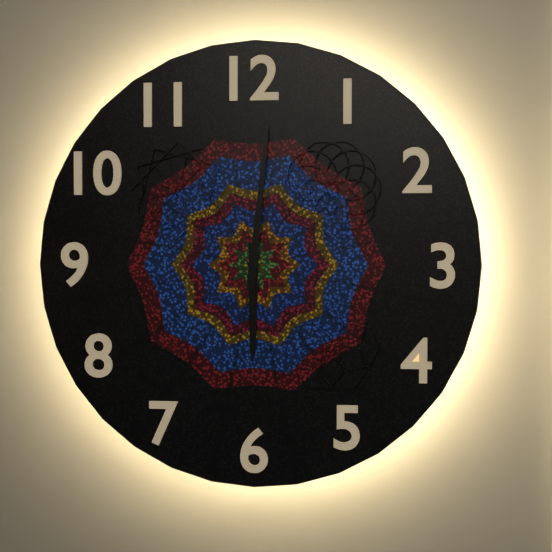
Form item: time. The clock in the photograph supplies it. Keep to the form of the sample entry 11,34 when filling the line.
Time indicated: 6,01
